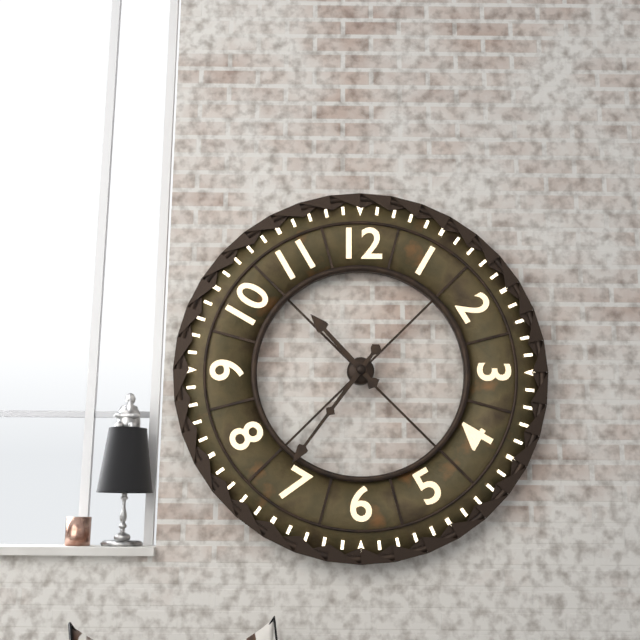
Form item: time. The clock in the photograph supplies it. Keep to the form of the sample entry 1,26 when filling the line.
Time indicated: 10,36
